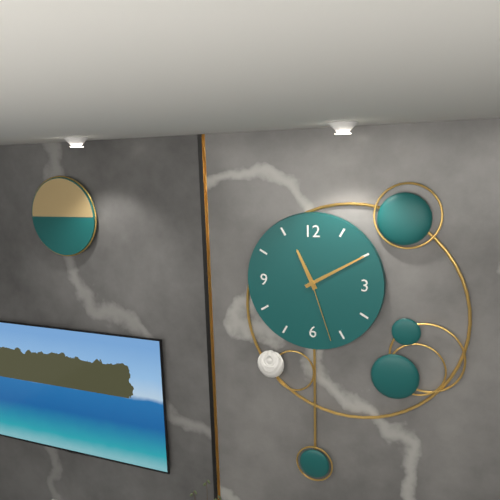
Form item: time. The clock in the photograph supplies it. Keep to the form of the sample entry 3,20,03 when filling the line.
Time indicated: 11,10,27
